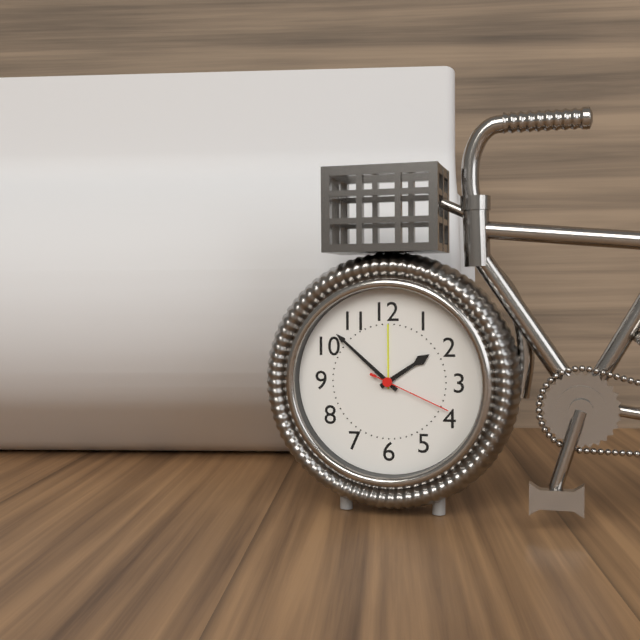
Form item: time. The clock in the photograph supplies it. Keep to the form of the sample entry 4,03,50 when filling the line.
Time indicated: 1,52,19
